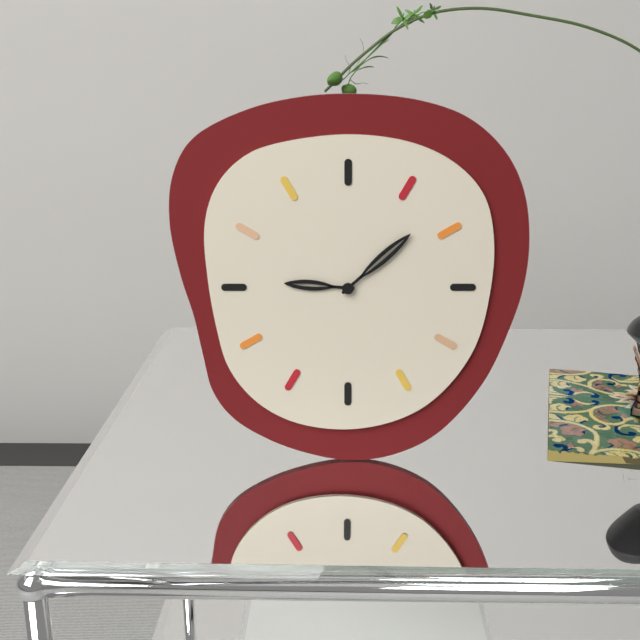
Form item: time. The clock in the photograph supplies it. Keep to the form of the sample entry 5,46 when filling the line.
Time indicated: 9,08
